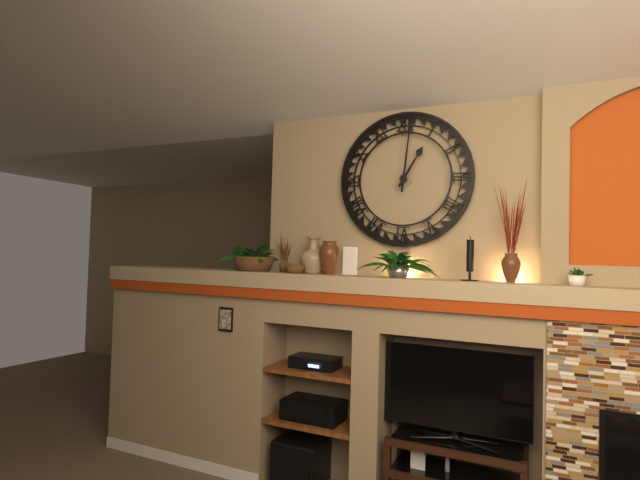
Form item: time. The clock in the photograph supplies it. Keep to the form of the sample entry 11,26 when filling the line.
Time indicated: 1,01
